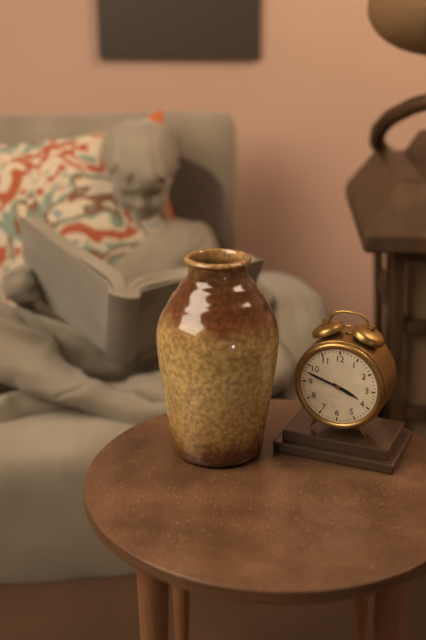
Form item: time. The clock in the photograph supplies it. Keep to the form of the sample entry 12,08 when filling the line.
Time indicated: 3,48
